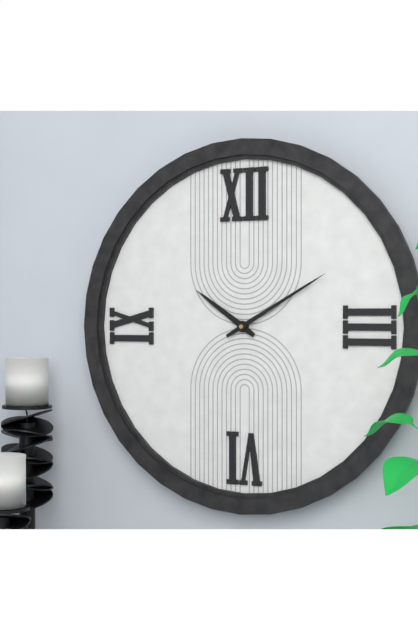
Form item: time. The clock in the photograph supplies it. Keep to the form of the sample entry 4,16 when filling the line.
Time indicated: 10,10
